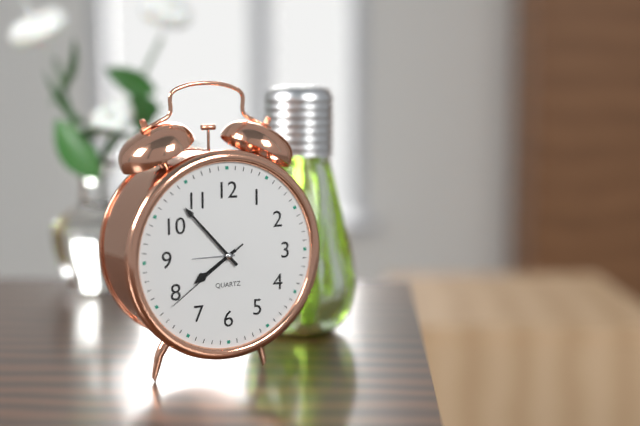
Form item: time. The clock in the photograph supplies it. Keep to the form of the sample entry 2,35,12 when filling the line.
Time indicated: 7,53,39
